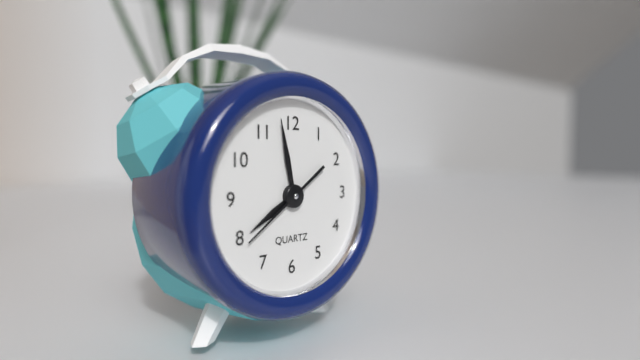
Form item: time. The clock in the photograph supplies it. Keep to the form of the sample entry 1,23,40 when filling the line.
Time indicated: 7,58,39
